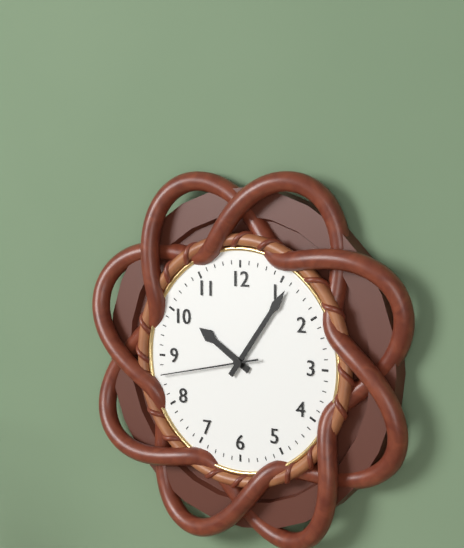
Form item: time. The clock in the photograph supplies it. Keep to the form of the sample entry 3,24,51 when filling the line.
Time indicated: 10,06,43
